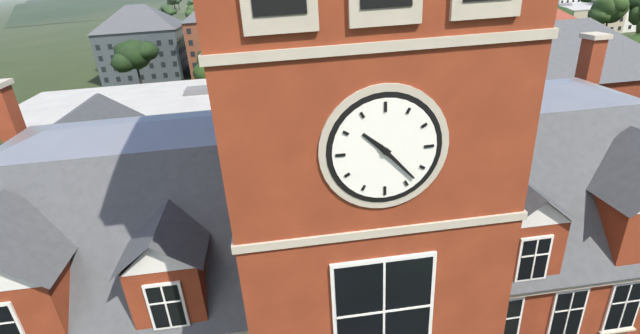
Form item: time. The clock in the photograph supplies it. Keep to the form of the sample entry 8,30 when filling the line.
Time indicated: 10,23
